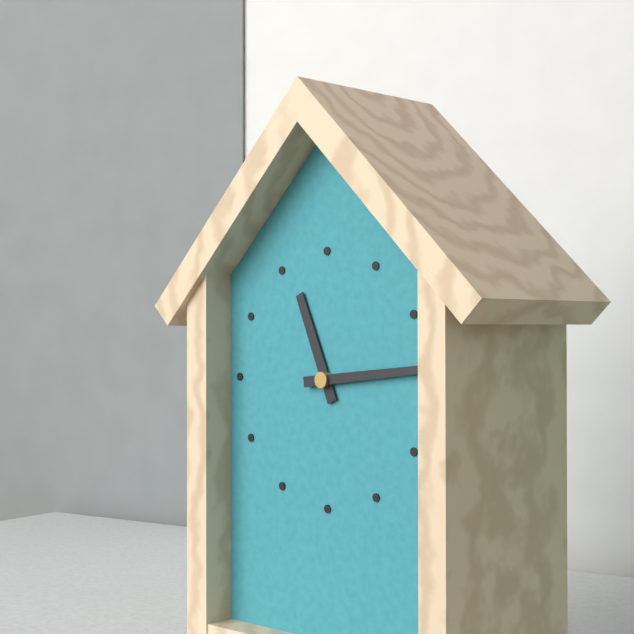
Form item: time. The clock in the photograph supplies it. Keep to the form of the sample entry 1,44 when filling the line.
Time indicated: 11,14
